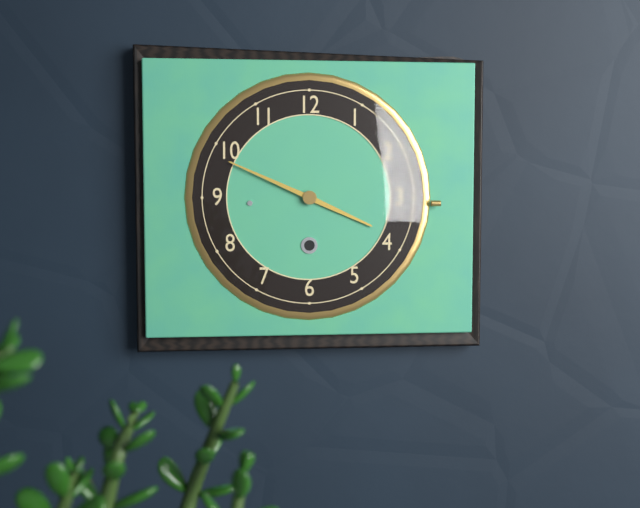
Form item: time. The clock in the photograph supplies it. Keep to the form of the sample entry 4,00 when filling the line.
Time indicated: 3,49
